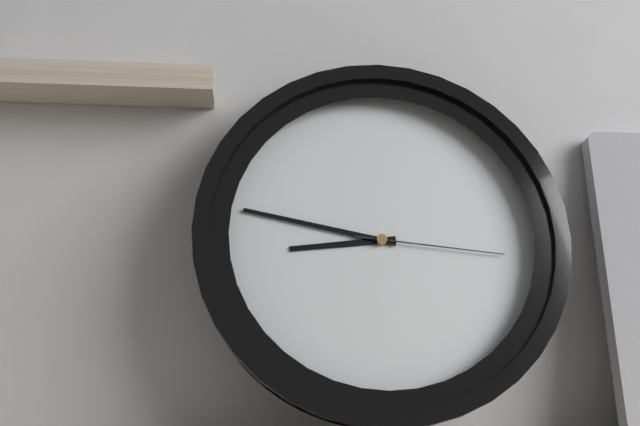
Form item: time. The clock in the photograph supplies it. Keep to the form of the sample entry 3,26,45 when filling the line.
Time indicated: 8,47,16
